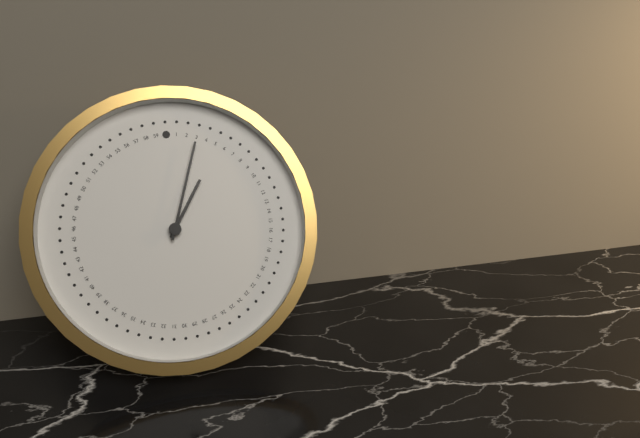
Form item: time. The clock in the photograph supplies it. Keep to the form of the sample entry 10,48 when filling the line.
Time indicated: 1,03
